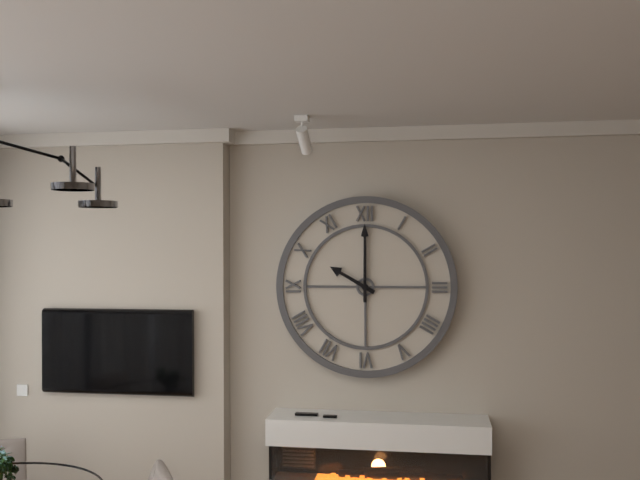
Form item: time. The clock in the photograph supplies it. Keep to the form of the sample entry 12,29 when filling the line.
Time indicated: 10,00
